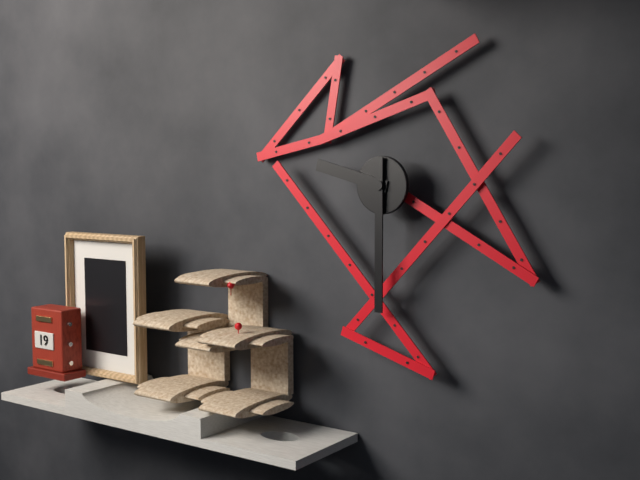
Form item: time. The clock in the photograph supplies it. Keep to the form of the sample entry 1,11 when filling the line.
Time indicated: 9,30
